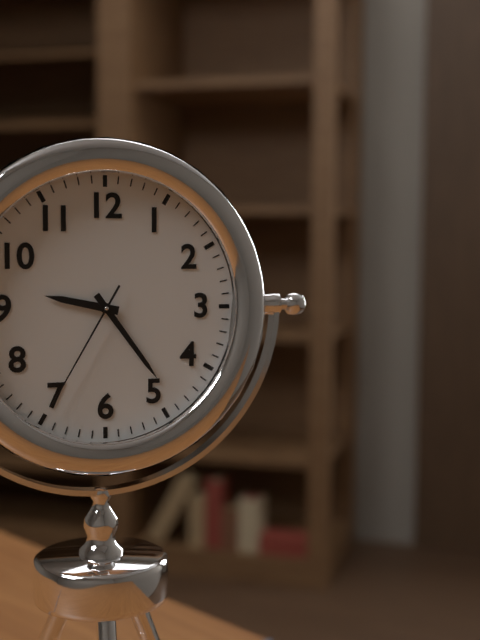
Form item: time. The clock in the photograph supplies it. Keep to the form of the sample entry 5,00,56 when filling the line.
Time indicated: 9,24,35
